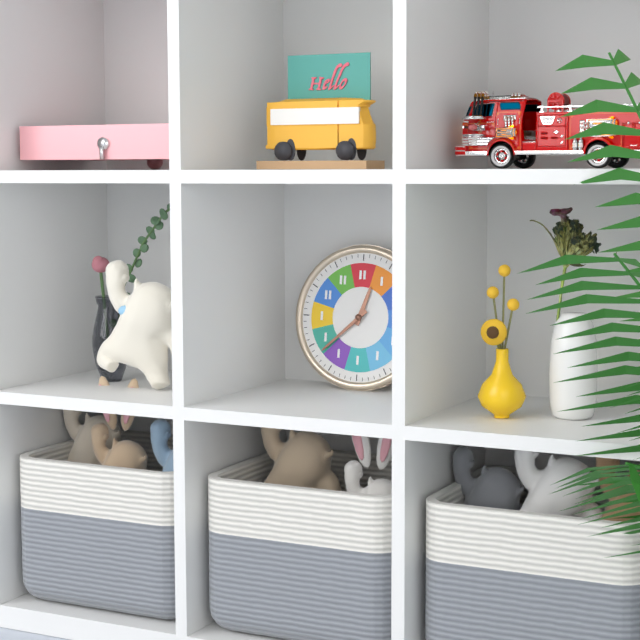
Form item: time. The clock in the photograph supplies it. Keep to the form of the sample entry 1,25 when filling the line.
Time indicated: 12,38
